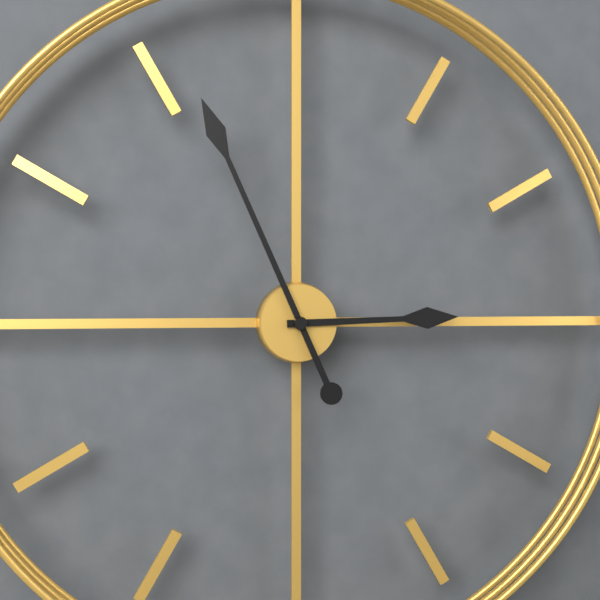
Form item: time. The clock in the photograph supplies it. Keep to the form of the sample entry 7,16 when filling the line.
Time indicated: 2,56
